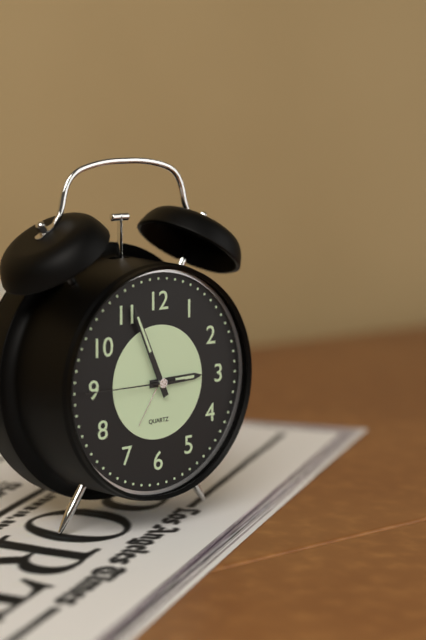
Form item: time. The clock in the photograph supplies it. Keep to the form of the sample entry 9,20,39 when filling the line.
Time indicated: 2,56,45
